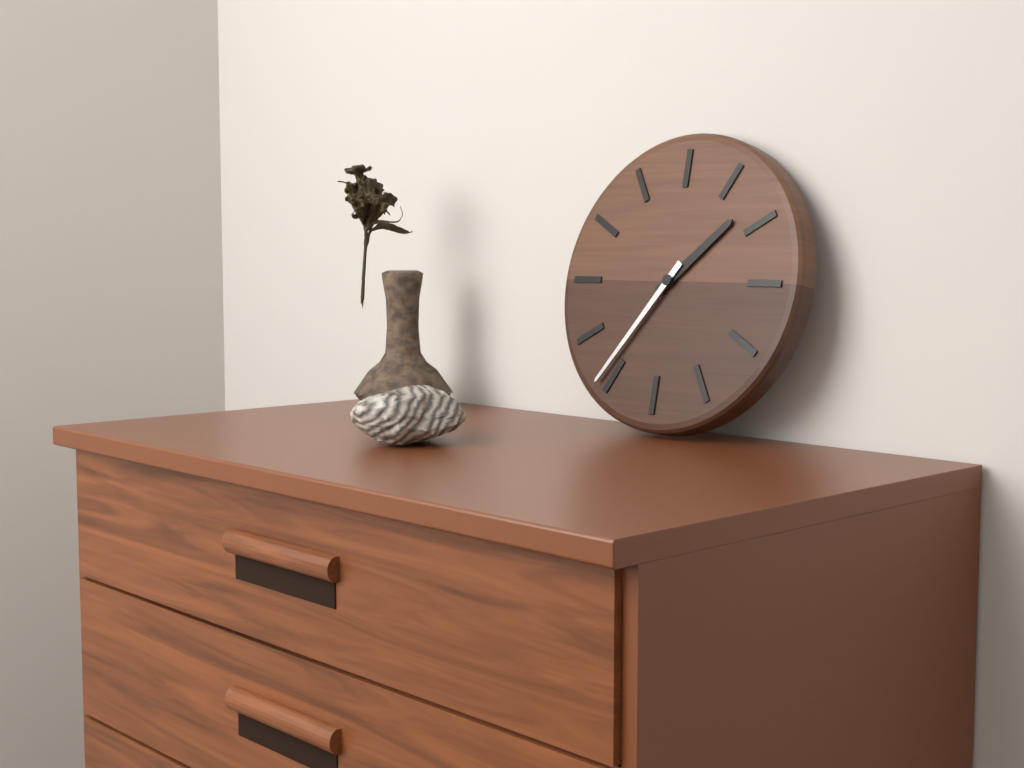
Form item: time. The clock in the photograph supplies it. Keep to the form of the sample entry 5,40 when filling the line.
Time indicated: 1,36
